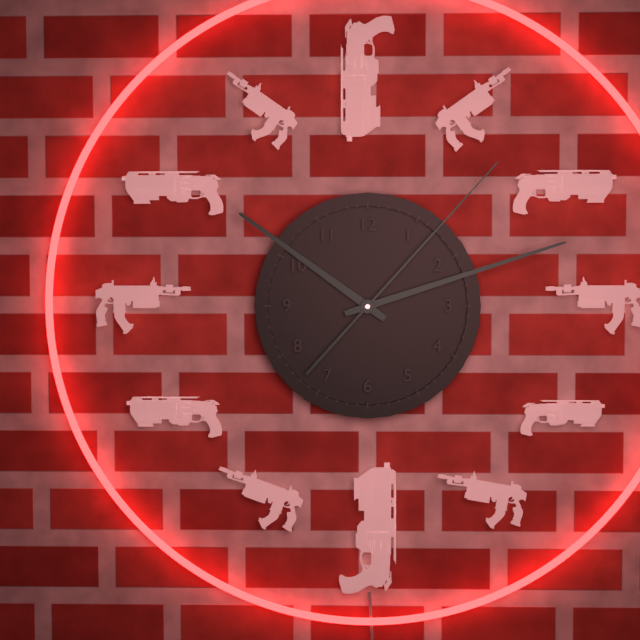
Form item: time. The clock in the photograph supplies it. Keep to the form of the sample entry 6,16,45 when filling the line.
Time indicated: 10,12,07
